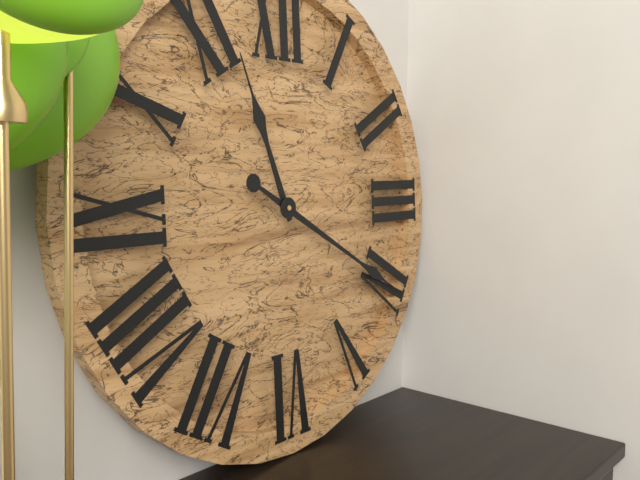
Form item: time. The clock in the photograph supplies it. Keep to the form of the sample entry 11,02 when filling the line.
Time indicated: 11,20
